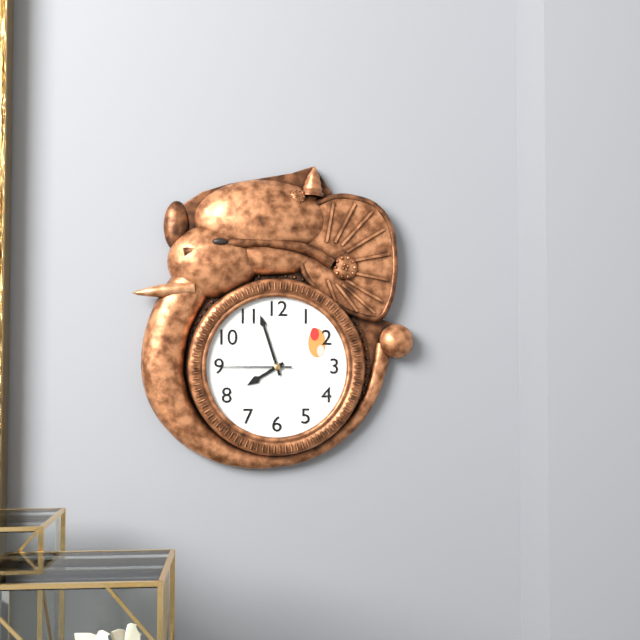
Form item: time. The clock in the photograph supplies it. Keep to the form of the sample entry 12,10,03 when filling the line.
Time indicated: 7,57,45
